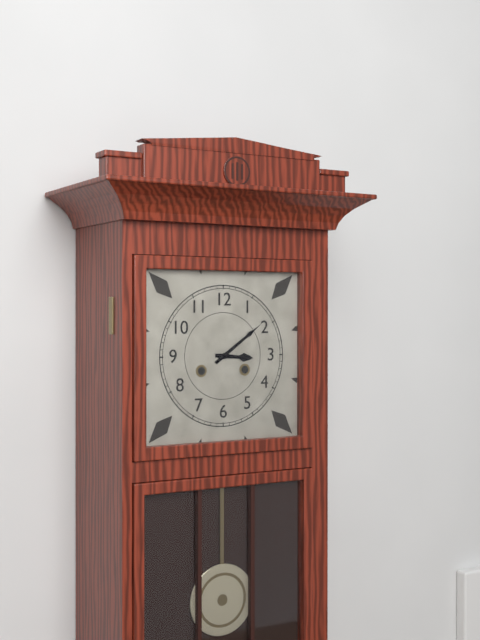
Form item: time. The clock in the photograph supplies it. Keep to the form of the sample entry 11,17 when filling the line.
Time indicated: 3,09
